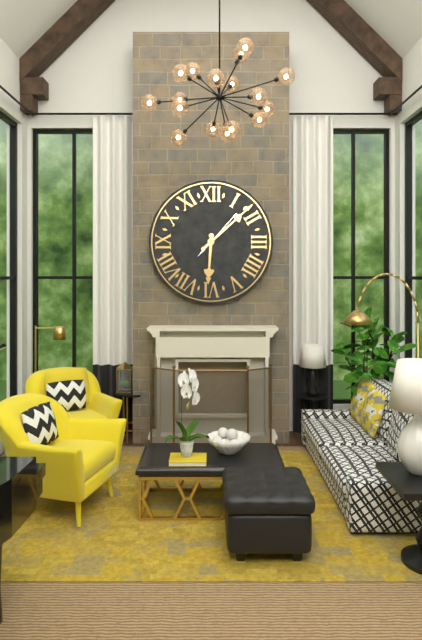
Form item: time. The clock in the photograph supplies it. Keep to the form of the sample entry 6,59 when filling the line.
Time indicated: 6,08
